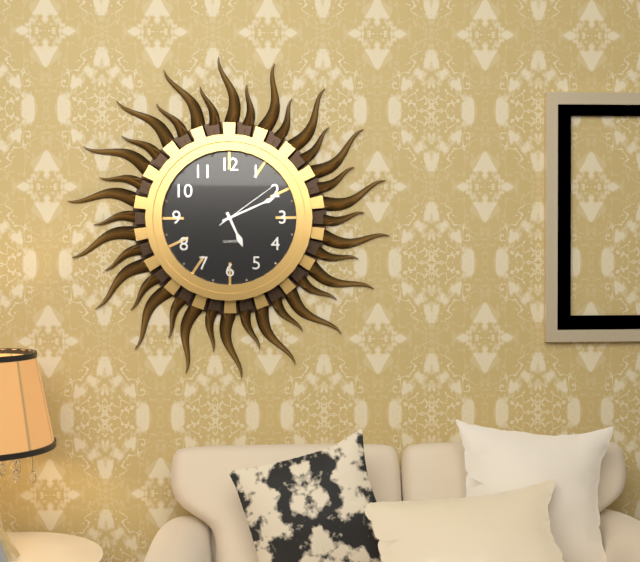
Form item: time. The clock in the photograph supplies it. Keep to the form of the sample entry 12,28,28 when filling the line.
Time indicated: 5,11,09
